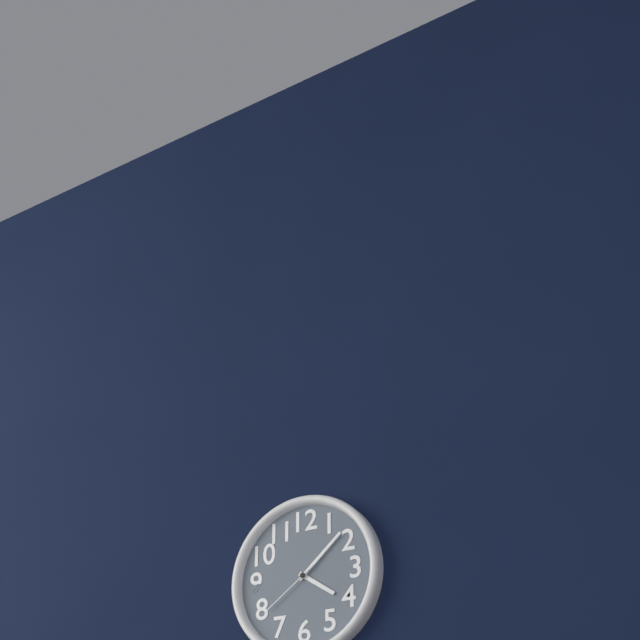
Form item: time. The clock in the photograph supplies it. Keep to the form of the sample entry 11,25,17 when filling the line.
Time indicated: 4,08,39
